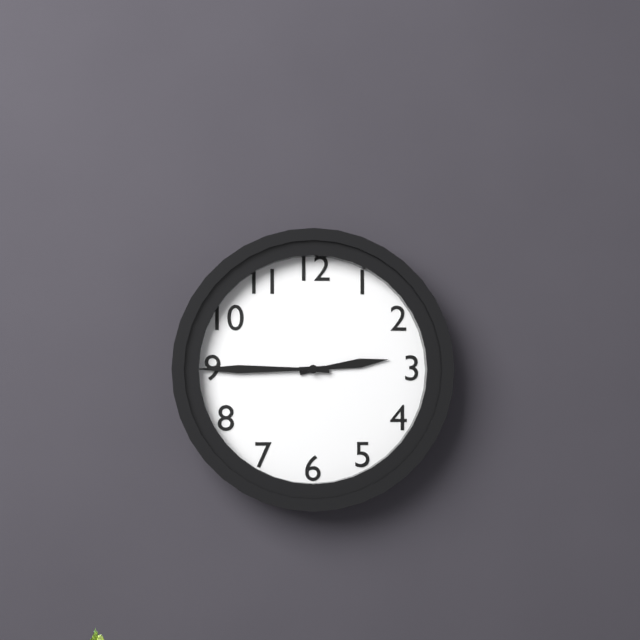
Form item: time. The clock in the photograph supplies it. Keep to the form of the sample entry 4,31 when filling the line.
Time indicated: 2,45
